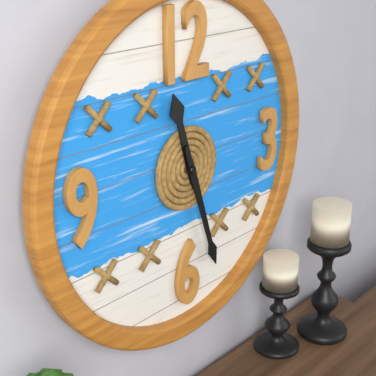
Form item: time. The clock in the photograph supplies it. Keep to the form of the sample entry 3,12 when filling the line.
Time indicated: 11,27
